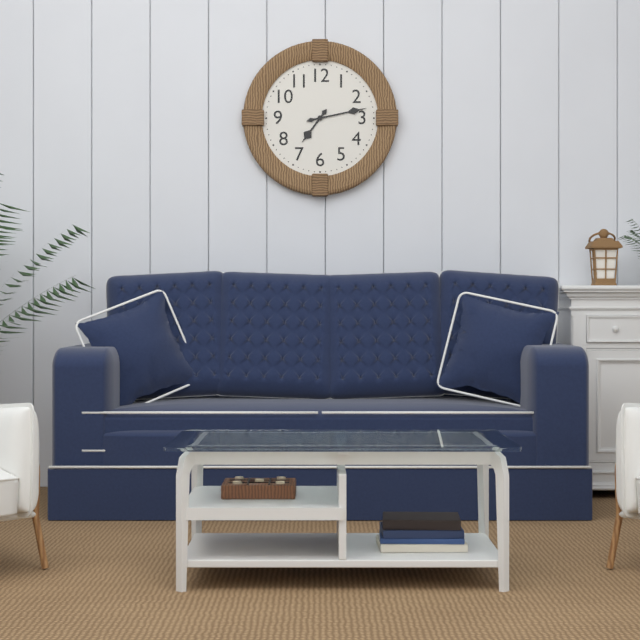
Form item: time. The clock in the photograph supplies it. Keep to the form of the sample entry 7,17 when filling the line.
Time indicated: 7,13
